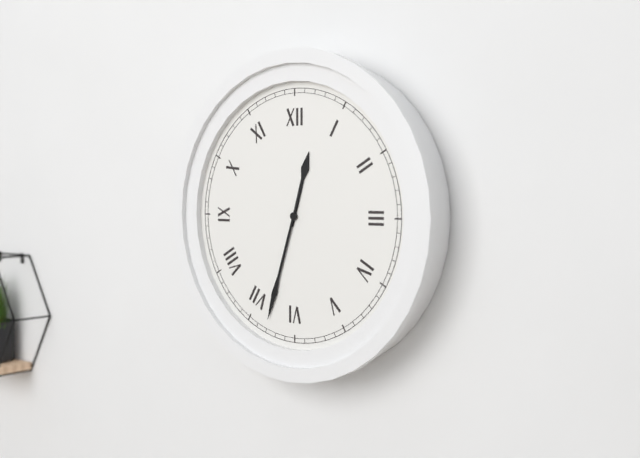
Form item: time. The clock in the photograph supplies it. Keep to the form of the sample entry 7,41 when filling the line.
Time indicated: 12,33
